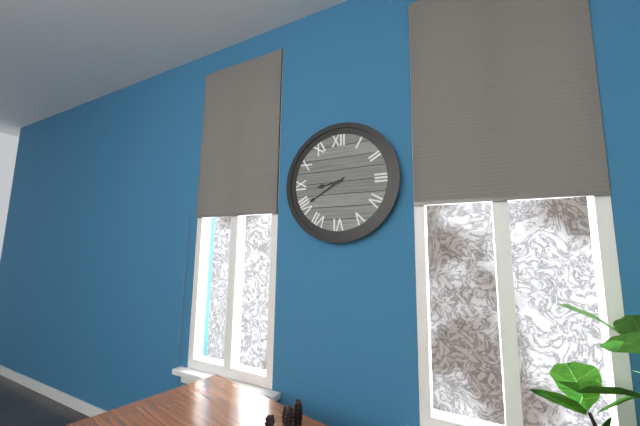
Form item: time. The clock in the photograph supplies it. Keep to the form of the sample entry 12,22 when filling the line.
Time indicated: 8,40
